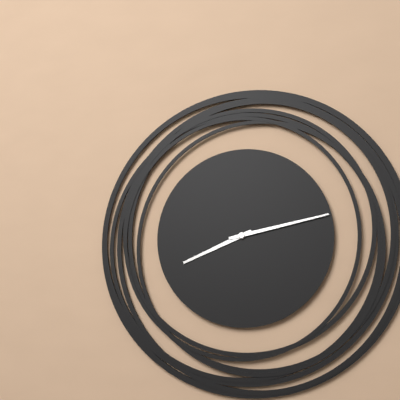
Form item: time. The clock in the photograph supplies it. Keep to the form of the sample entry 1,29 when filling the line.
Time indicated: 8,13
